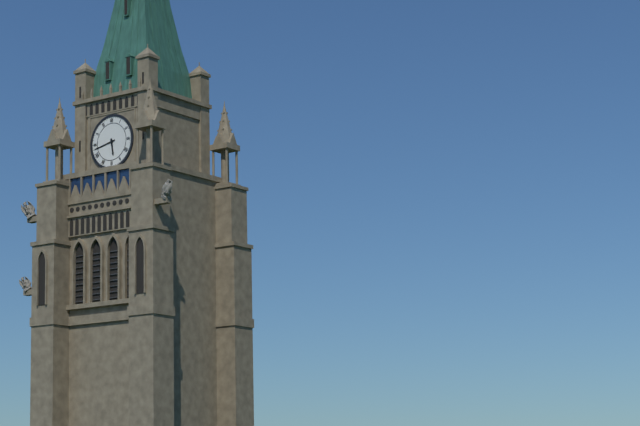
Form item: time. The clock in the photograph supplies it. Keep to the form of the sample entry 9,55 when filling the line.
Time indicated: 5,43
